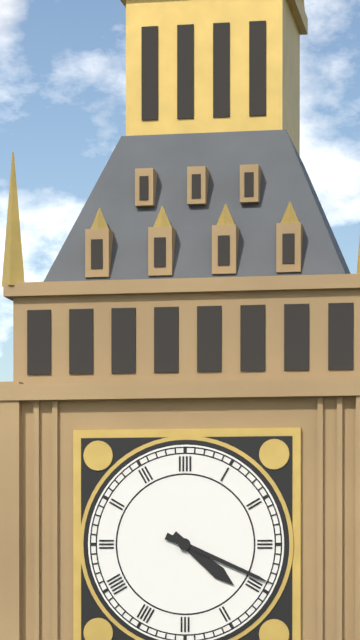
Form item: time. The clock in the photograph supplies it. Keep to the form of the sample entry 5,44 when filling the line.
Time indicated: 4,19
